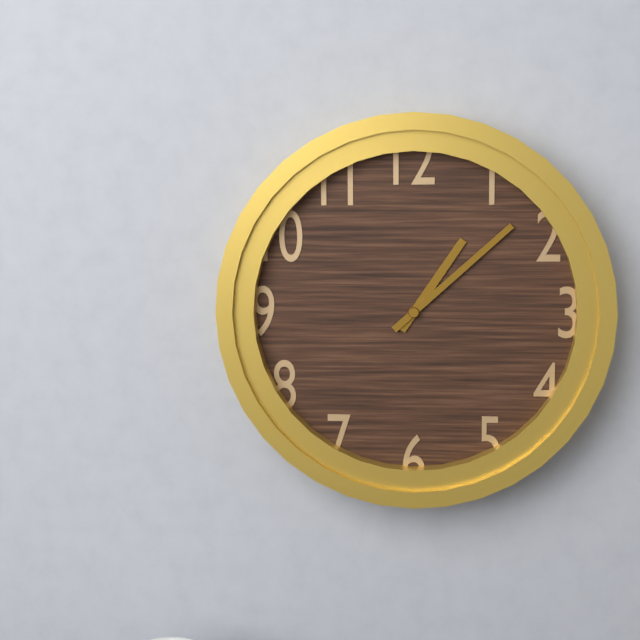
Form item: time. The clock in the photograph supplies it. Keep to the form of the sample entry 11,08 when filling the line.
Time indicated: 1,08
